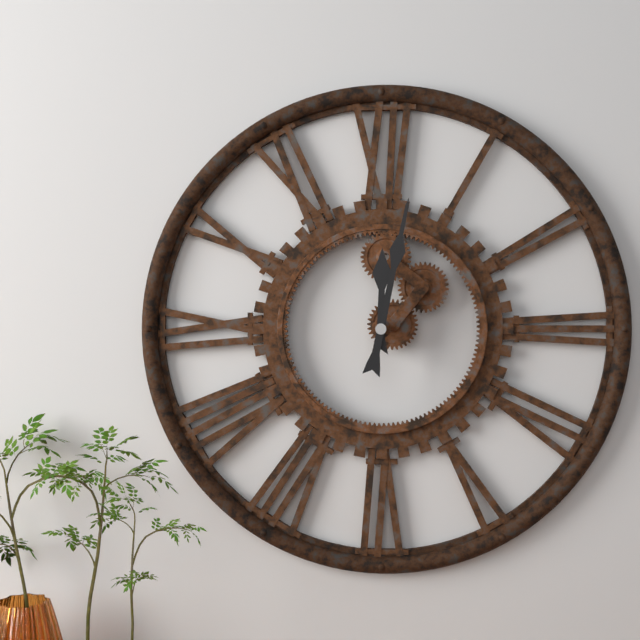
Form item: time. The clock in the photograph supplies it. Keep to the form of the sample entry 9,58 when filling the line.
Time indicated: 12,02
